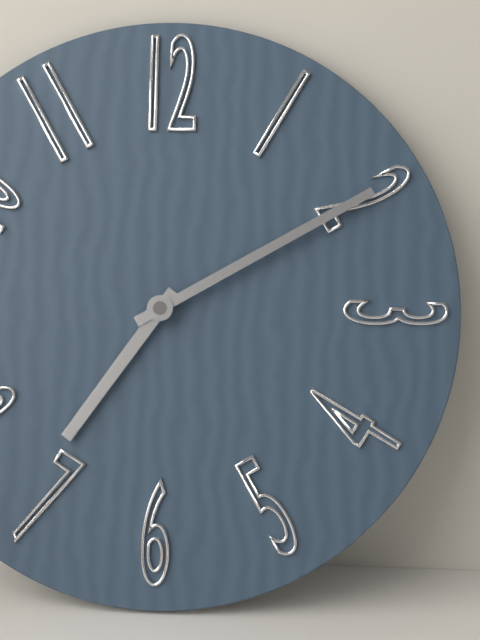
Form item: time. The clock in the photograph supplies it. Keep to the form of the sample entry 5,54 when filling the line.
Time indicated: 7,10
